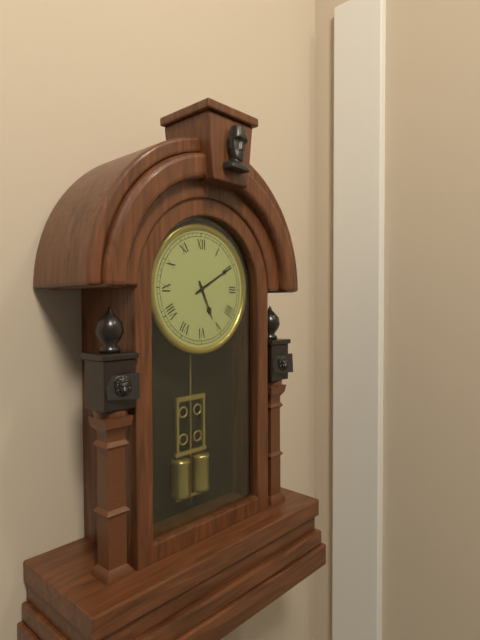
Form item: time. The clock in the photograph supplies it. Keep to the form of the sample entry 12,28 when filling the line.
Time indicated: 5,10
